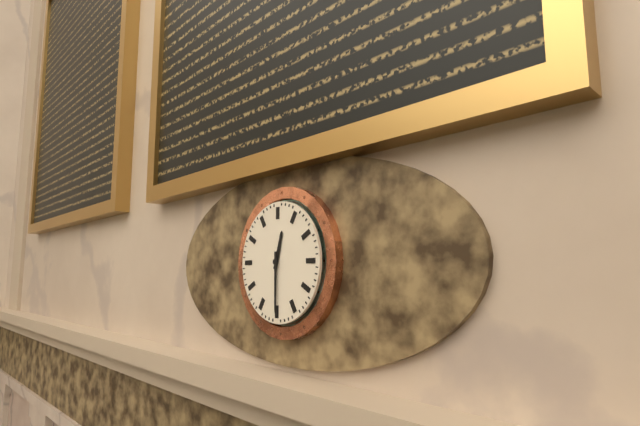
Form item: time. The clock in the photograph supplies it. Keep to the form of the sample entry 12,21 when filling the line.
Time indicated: 12,30
